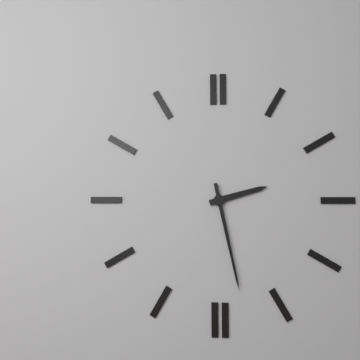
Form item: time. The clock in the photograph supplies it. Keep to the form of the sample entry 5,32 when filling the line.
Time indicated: 2,28
